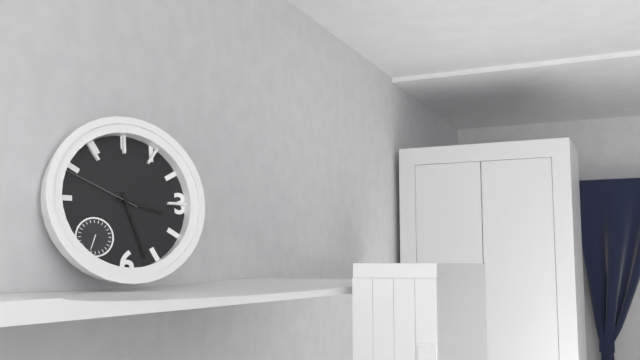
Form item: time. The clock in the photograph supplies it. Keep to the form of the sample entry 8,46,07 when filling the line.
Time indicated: 3,27,49
